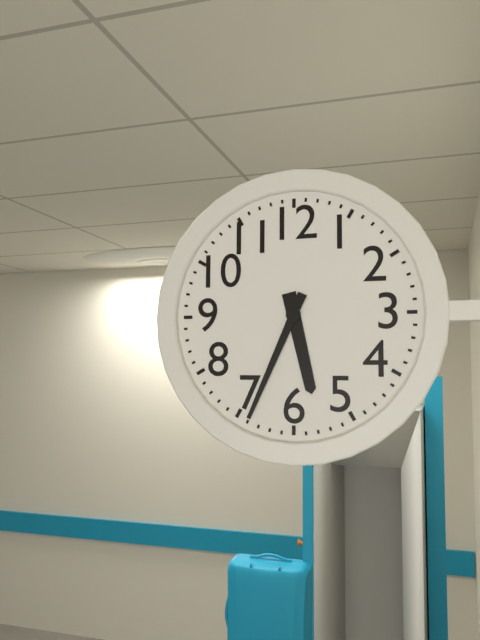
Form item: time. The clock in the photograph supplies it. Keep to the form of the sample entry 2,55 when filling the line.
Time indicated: 5,34
